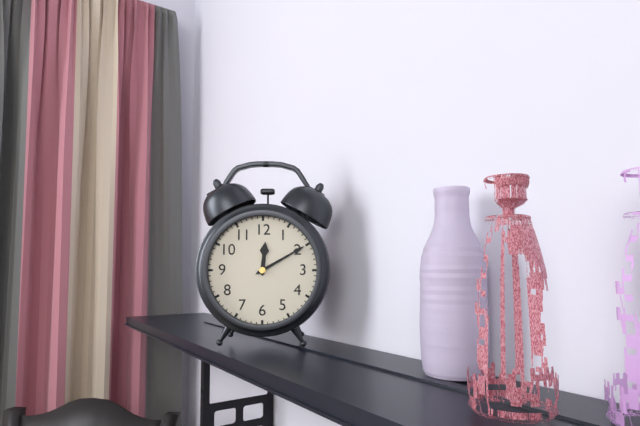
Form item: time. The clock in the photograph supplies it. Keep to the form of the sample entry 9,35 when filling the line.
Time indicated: 12,10
